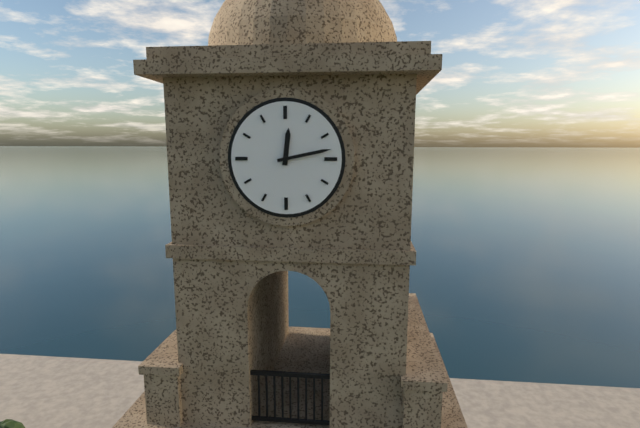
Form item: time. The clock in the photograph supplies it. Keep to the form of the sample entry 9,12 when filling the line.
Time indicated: 12,13
